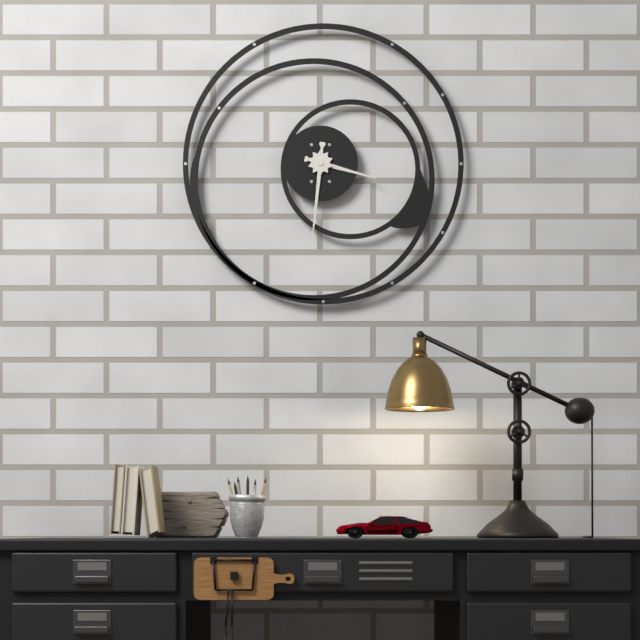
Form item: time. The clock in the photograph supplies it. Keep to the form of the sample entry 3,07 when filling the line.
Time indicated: 3,31
